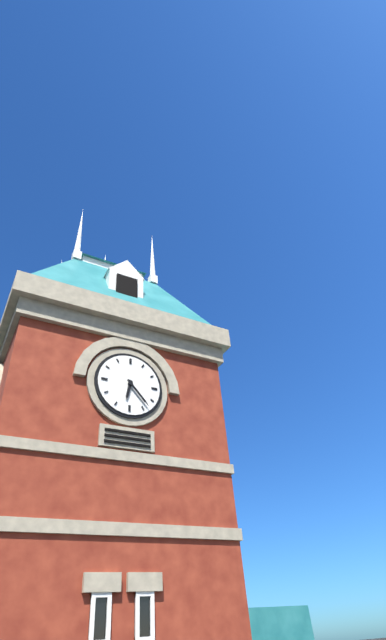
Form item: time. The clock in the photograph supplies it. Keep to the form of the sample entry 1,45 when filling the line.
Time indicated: 6,23
